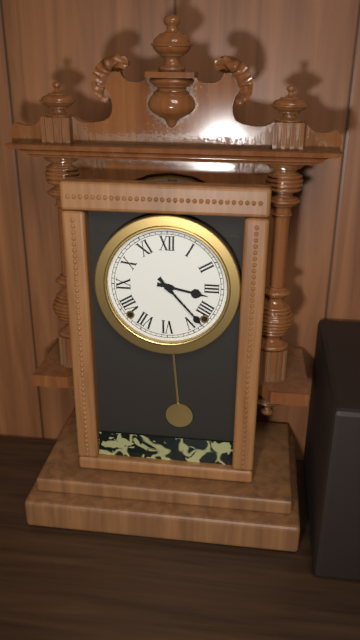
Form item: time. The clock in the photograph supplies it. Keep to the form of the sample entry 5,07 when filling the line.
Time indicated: 3,23
